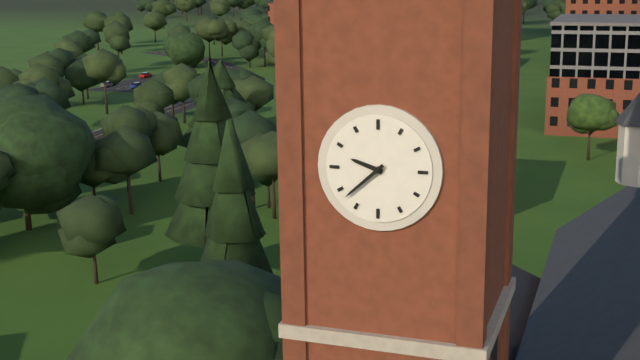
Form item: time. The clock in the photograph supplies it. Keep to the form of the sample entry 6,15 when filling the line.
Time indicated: 9,38
